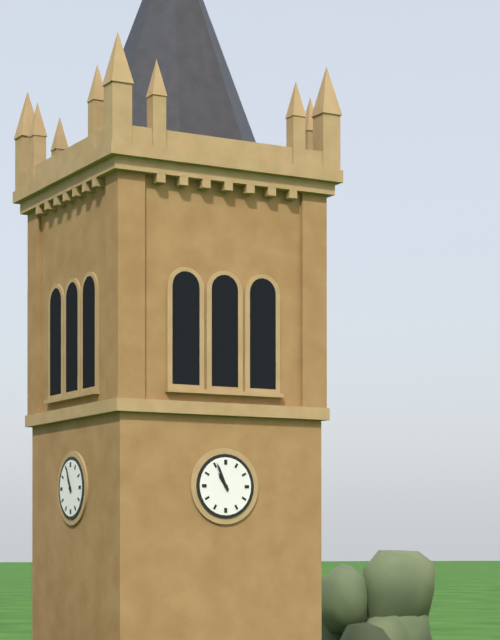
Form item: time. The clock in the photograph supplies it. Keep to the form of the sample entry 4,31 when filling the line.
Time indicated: 10,56
